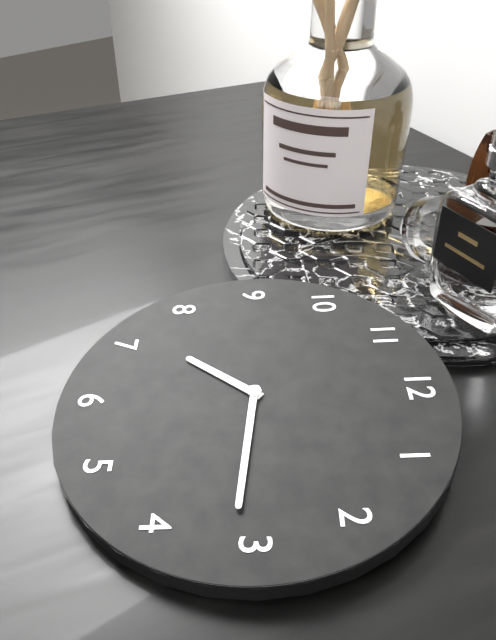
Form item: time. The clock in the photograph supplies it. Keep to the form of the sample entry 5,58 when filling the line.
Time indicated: 7,16
